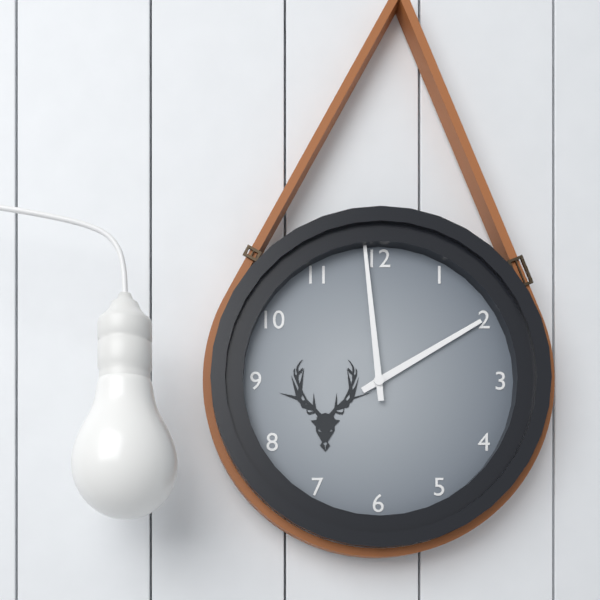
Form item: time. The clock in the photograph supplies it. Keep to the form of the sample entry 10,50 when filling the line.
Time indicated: 1,59
